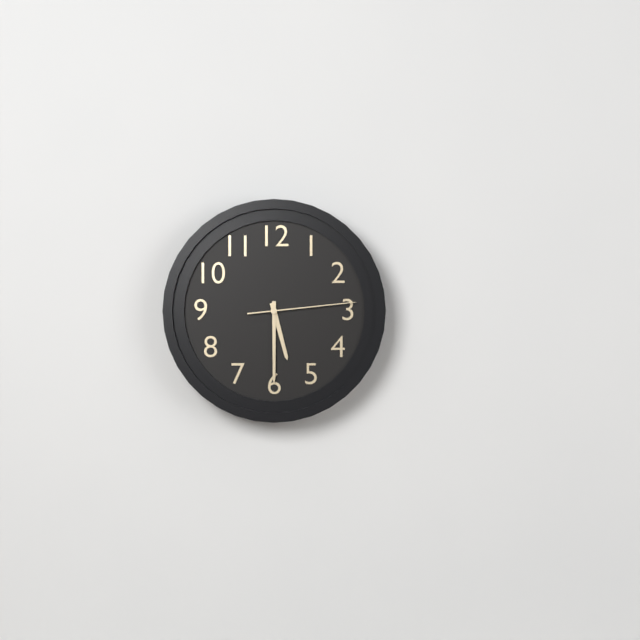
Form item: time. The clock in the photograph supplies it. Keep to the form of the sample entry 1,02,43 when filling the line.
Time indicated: 5,30,14
